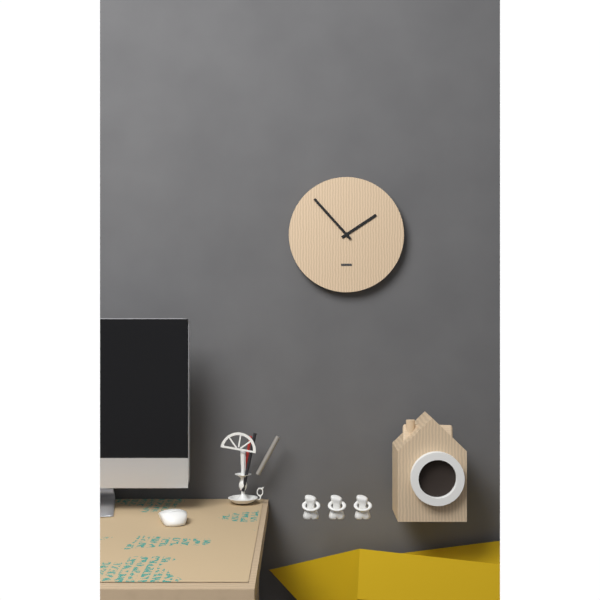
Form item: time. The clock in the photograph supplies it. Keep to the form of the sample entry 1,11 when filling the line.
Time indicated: 1,53
